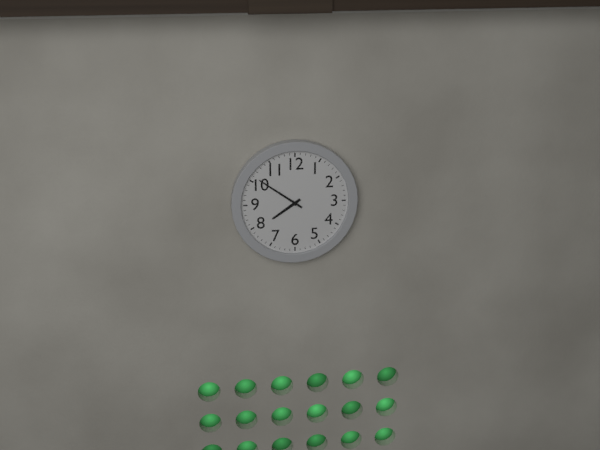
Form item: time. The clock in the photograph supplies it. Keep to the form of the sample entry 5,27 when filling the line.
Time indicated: 7,51
